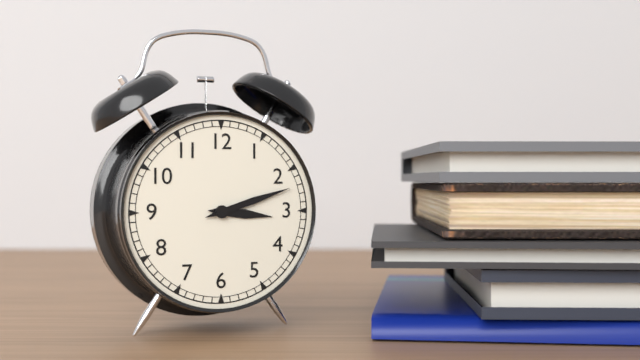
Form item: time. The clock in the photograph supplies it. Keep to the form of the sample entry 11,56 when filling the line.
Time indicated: 3,12
